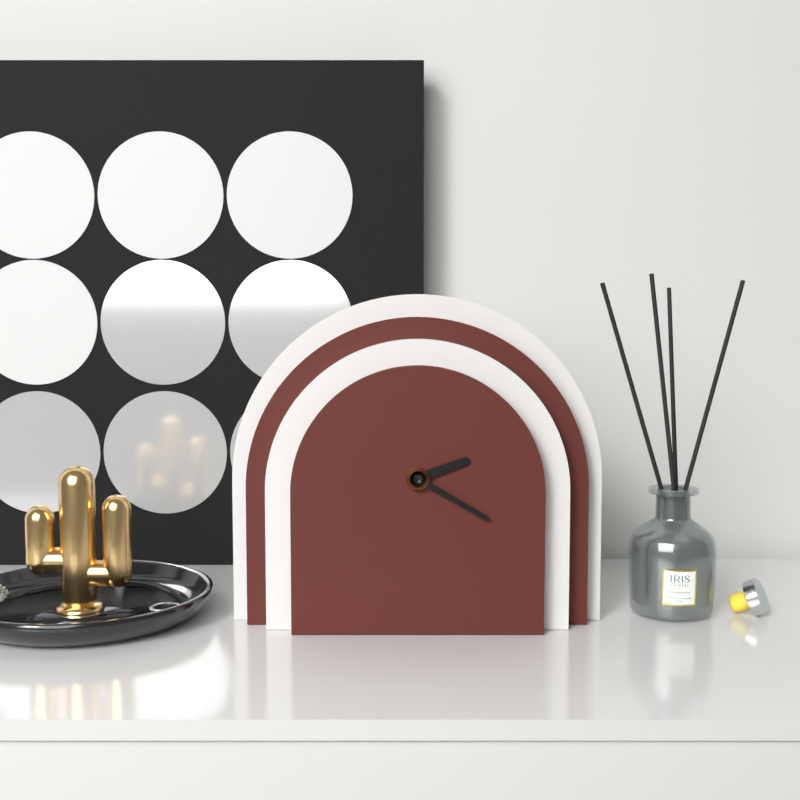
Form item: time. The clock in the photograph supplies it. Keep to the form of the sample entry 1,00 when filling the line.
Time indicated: 2,20
